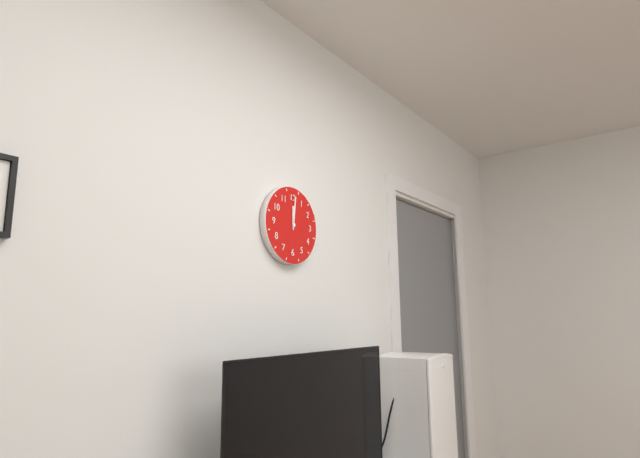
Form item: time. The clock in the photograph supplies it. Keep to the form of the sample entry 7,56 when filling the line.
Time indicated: 12,01
